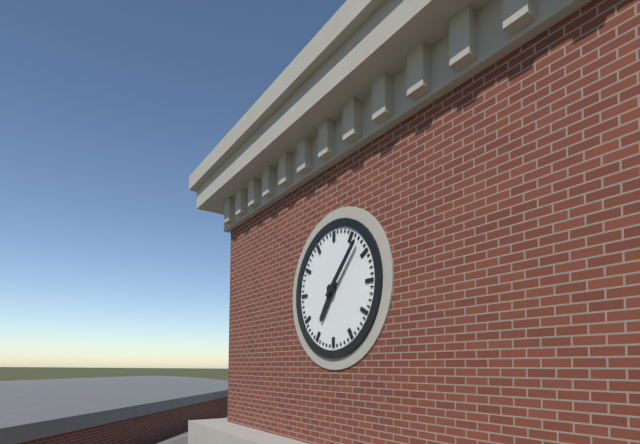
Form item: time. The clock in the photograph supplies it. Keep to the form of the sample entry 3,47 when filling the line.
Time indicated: 7,07
